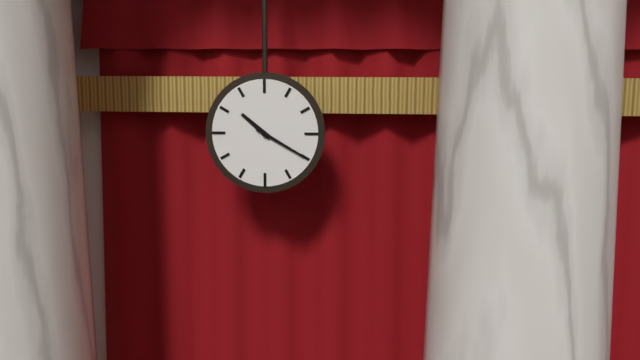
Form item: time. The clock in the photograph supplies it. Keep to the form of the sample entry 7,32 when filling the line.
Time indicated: 10,20
